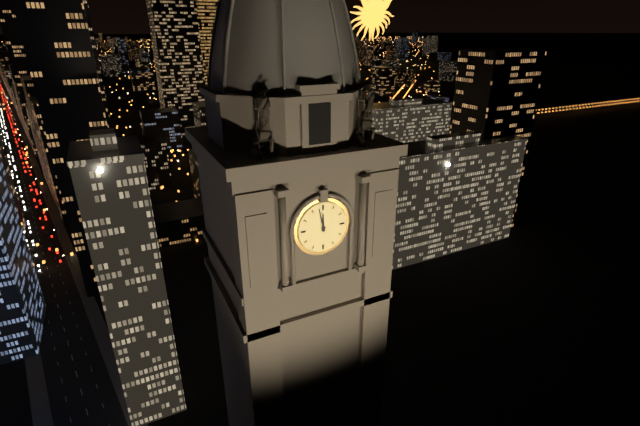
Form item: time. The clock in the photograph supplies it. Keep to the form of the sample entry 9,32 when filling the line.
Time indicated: 11,58
